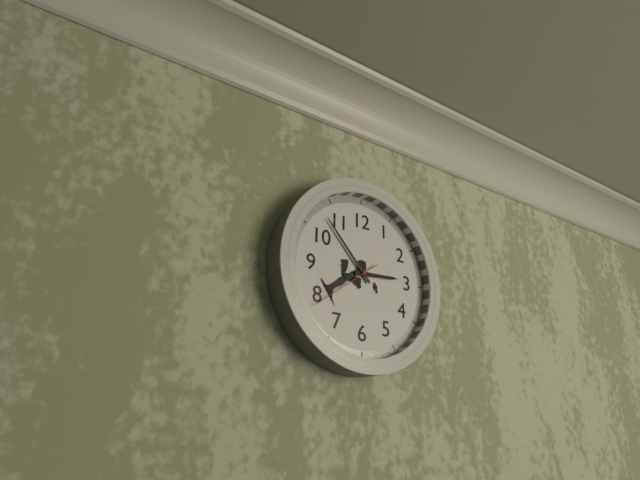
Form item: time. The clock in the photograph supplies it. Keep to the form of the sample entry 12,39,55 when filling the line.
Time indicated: 2,53,39
